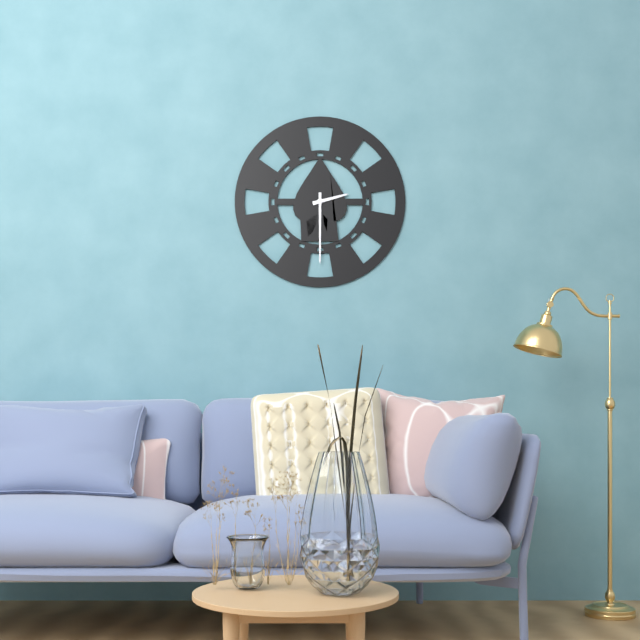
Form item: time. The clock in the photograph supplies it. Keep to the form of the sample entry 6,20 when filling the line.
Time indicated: 2,30
